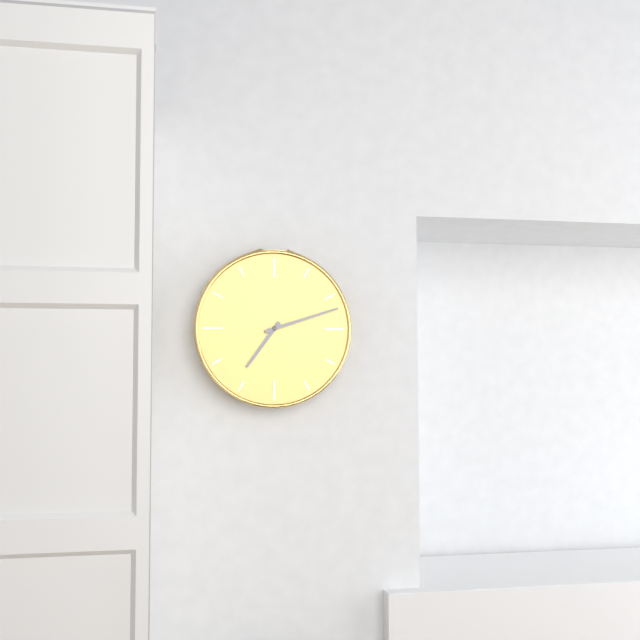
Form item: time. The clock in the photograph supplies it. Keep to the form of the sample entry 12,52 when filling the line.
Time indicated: 7,12
